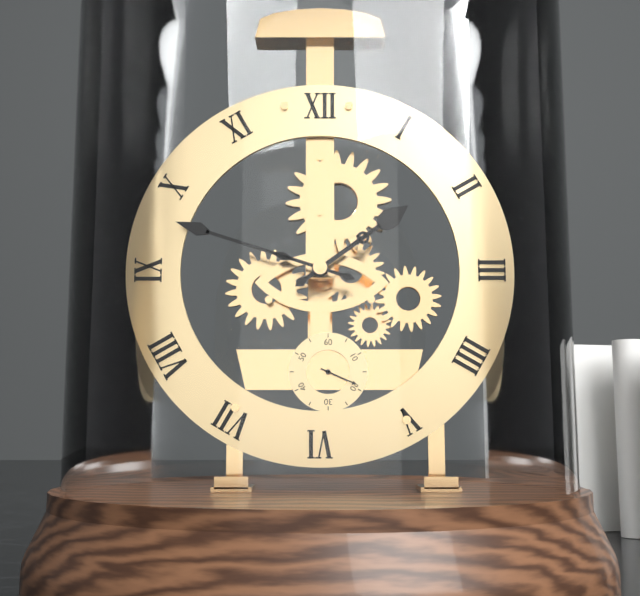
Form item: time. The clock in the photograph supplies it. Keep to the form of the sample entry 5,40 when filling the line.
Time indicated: 1,48
